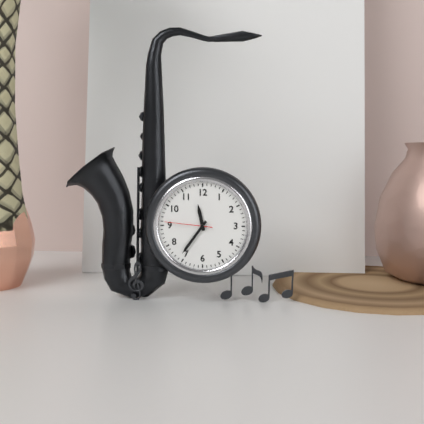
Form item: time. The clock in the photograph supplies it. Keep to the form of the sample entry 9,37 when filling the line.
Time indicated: 11,36
